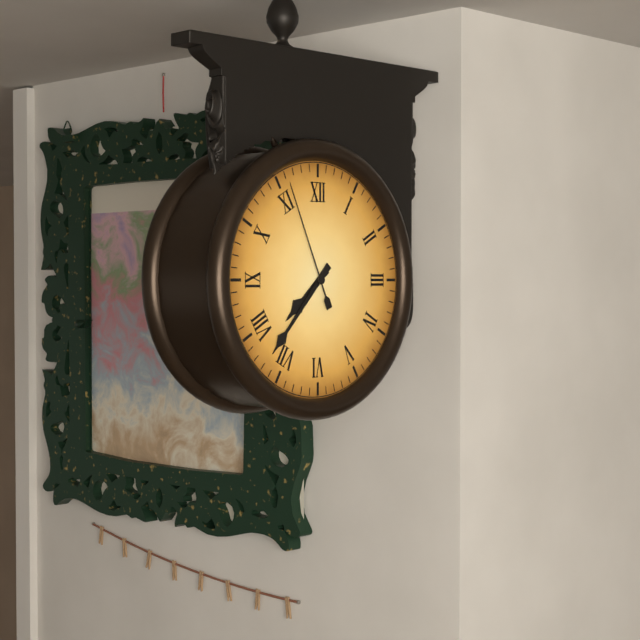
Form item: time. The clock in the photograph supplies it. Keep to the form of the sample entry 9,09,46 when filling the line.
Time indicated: 7,37,56
